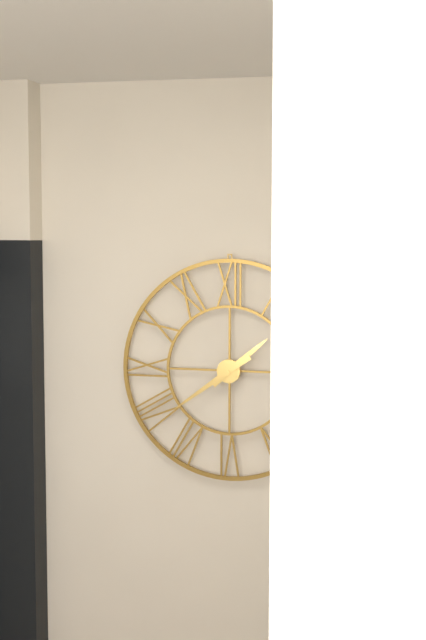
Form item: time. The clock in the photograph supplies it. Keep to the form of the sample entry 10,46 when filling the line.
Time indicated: 1,39
